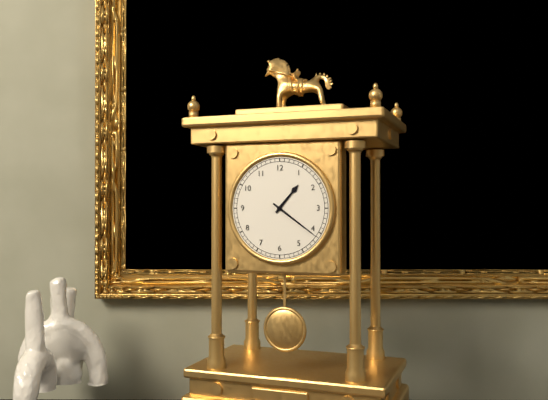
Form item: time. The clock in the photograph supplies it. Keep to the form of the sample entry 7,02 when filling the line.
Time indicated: 1,21
